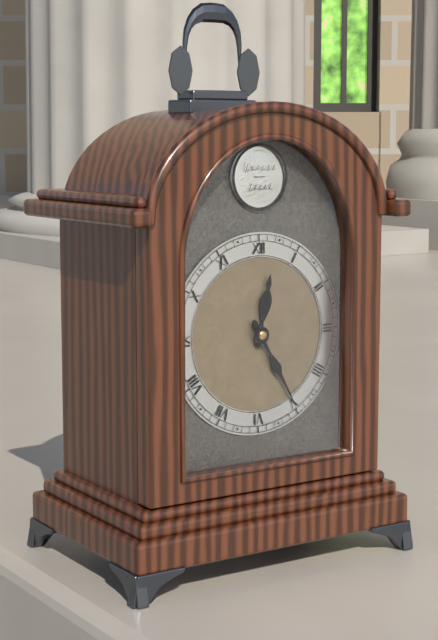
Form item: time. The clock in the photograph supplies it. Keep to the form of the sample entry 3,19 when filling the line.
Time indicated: 12,25
